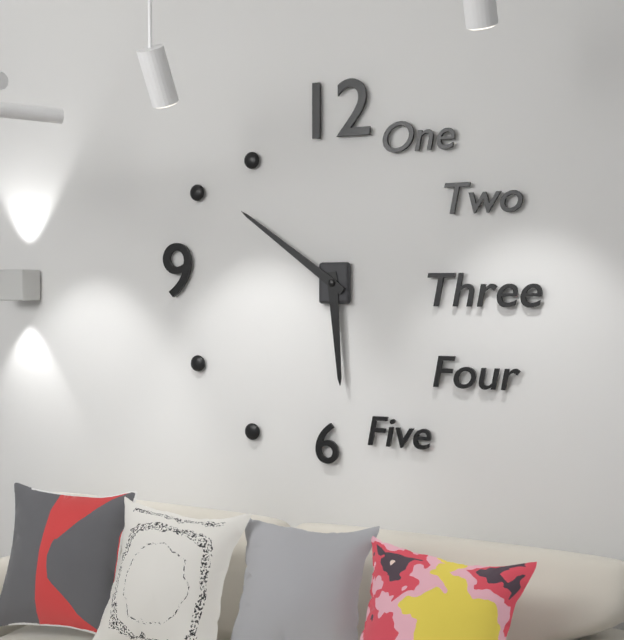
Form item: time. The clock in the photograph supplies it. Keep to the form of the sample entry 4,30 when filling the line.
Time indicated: 5,51
